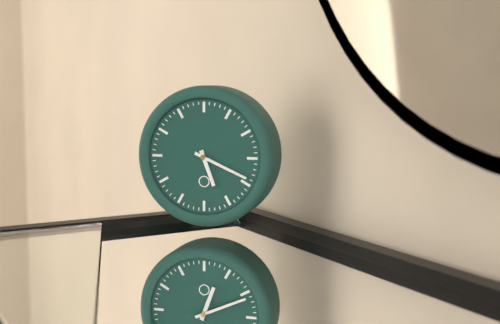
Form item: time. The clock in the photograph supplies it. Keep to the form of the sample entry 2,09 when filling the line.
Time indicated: 5,19
